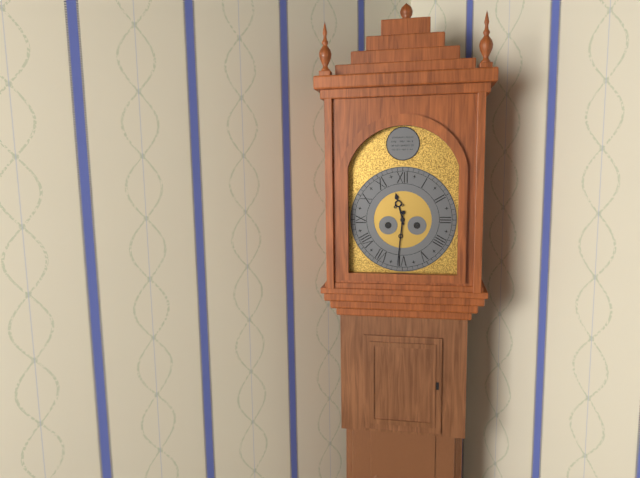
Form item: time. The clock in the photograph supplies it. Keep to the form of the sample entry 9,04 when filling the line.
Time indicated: 11,31
